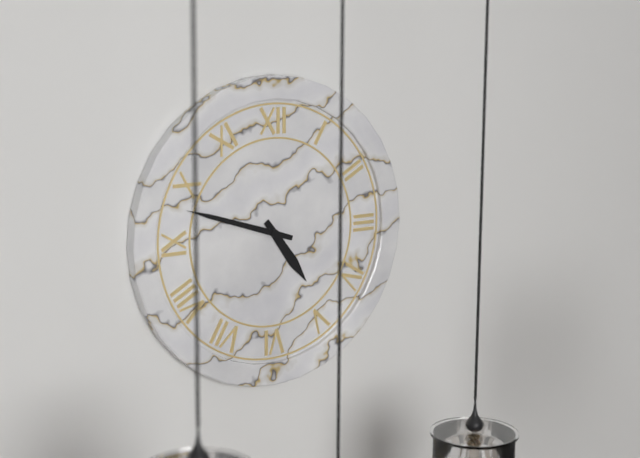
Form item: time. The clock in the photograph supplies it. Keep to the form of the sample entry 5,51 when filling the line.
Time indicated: 4,48
